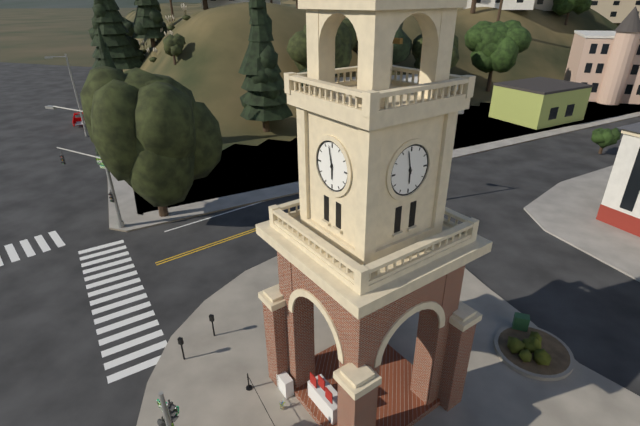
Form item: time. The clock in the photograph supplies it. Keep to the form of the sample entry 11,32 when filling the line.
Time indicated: 5,58
